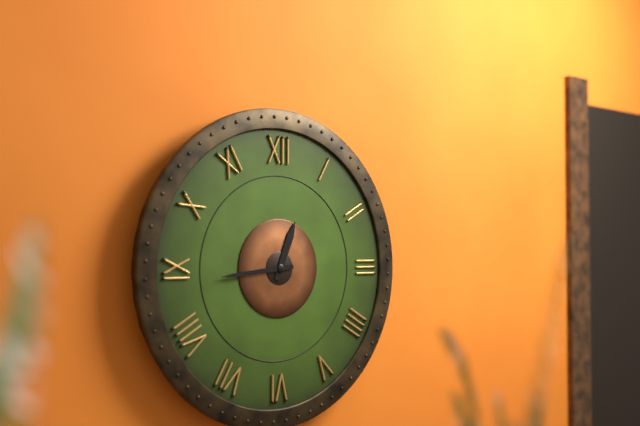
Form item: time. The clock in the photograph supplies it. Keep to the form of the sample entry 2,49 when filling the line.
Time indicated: 12,44
